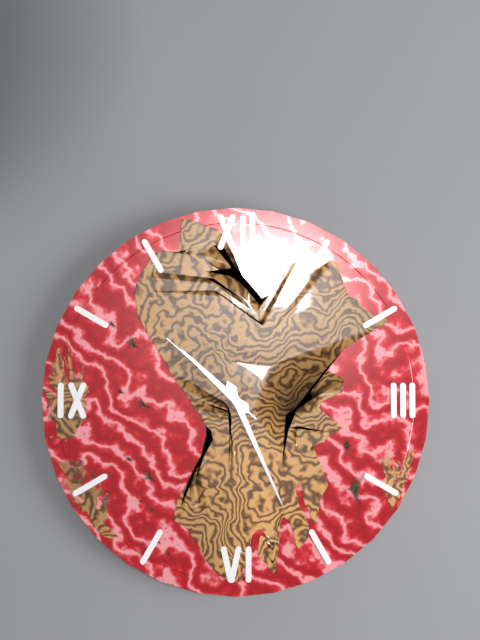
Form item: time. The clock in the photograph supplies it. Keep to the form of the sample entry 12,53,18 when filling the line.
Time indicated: 10,26,52
